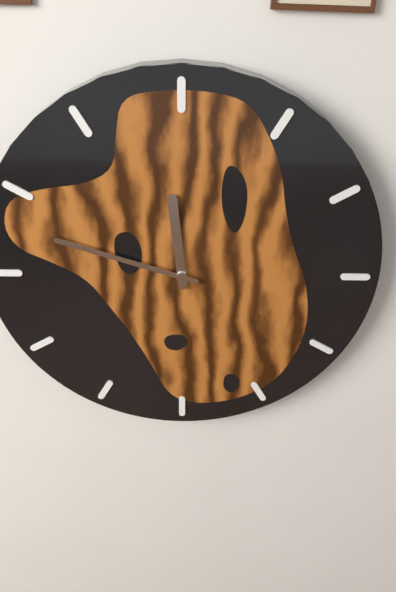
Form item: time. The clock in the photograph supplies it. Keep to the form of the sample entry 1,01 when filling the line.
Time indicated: 11,48
